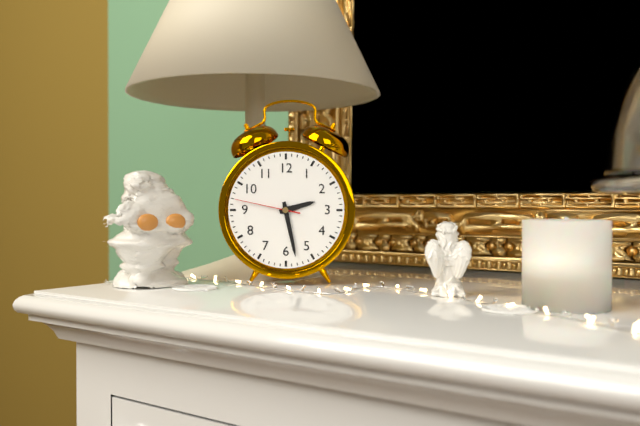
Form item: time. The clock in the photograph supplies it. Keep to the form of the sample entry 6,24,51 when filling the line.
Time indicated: 2,28,47
